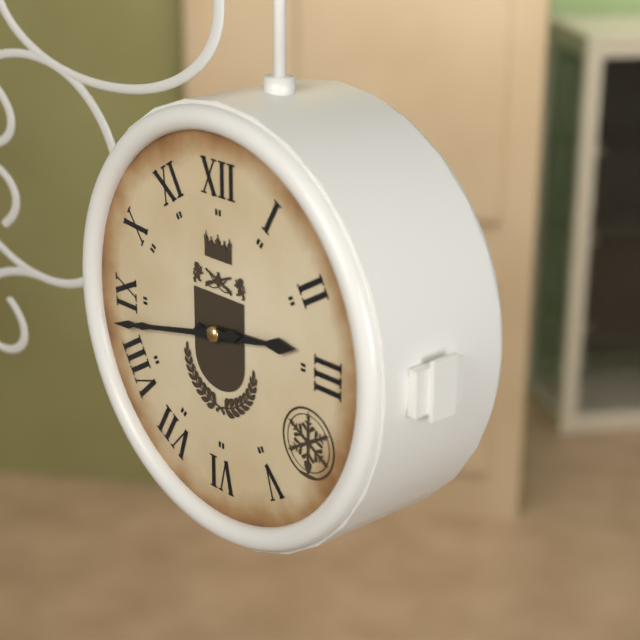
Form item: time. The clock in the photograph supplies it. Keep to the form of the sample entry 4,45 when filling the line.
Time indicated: 2,43
